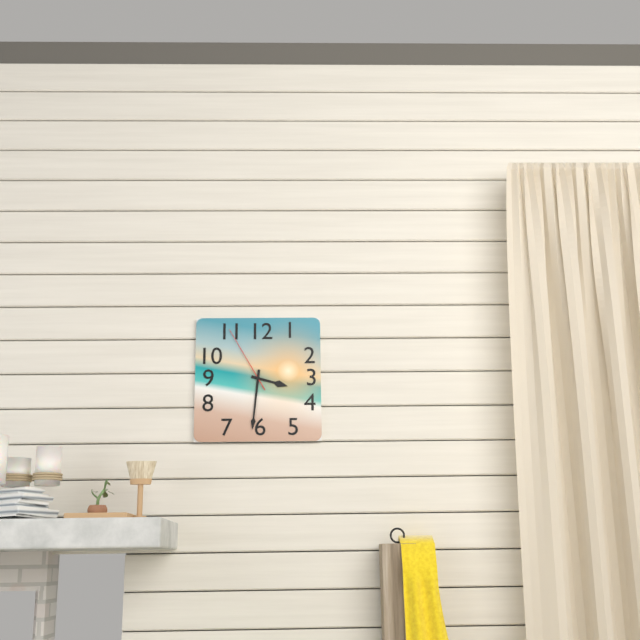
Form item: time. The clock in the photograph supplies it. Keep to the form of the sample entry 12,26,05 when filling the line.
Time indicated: 3,31,55
